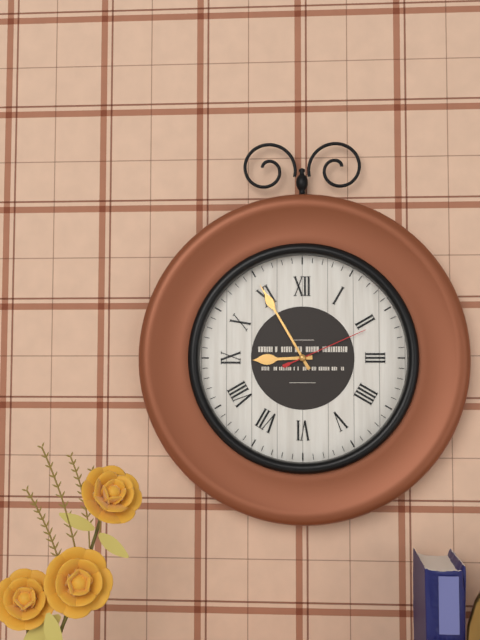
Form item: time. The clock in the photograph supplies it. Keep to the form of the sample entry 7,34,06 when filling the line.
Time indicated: 8,55,11
